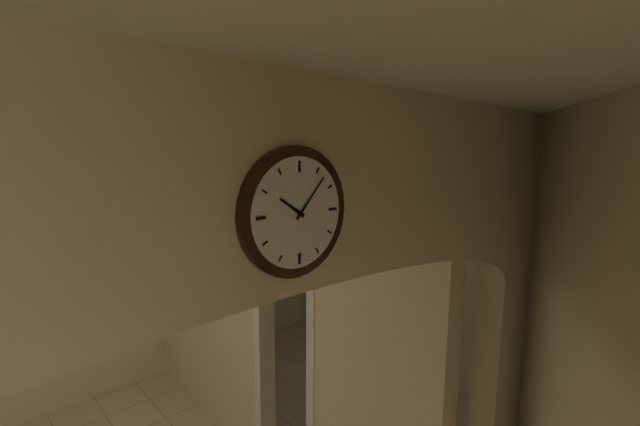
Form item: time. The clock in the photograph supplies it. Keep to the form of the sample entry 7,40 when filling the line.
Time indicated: 10,07
